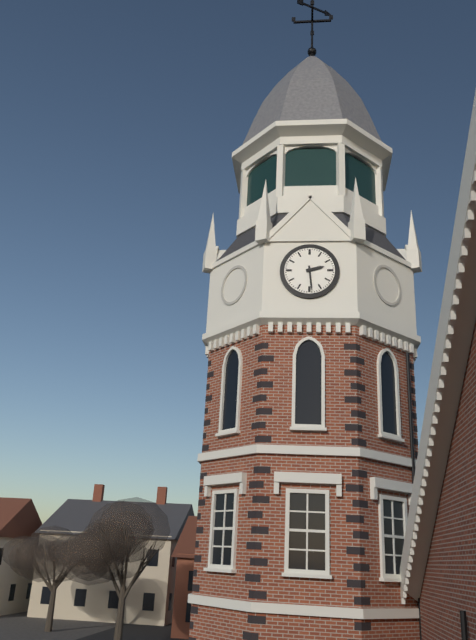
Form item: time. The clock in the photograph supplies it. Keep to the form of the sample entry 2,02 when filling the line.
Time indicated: 2,29
